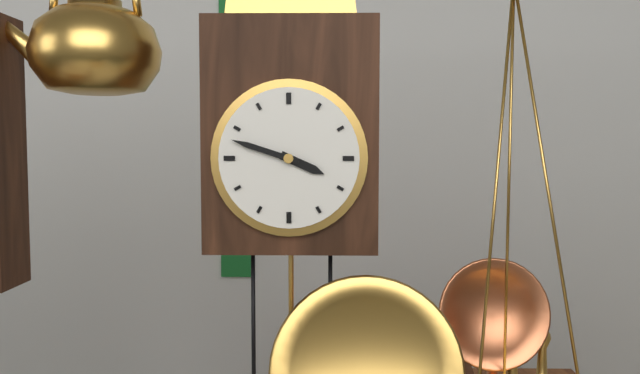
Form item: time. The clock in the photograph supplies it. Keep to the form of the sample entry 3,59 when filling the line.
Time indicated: 3,48
